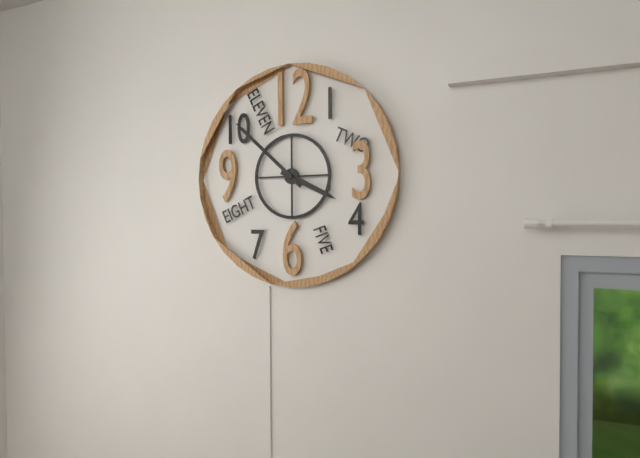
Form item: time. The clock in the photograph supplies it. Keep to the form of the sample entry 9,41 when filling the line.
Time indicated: 3,52
